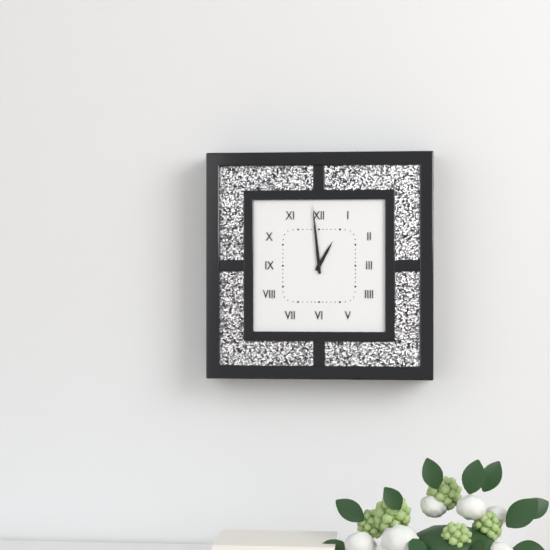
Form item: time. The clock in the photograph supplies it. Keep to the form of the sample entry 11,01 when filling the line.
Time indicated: 12,59
